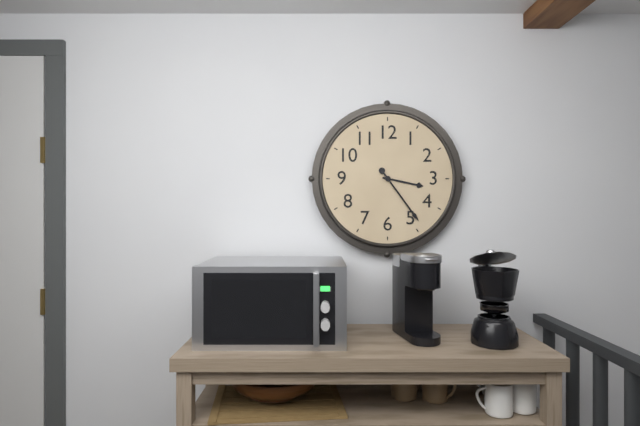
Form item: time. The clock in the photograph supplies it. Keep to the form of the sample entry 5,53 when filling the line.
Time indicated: 3,24
